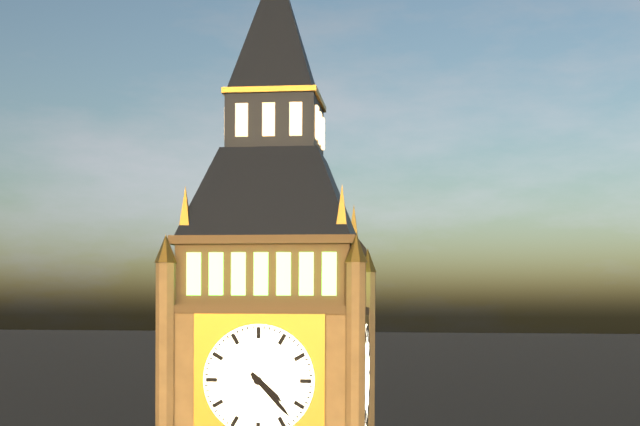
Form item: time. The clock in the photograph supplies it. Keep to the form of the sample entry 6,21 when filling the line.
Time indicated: 4,23
